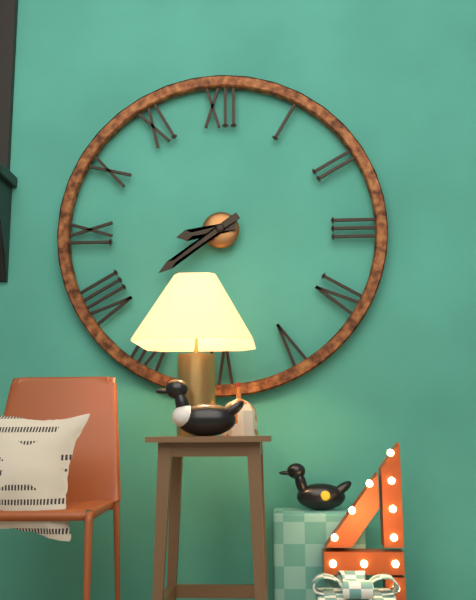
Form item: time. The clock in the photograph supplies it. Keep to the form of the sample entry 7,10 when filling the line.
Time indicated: 8,39
